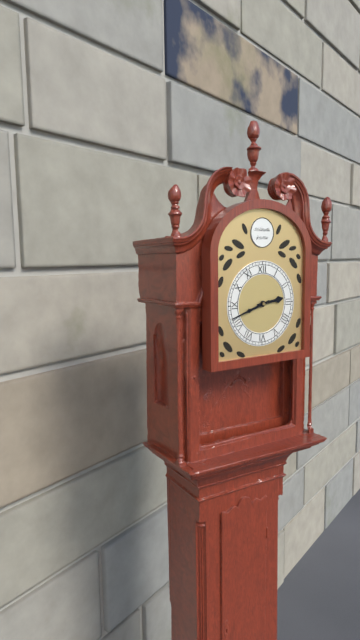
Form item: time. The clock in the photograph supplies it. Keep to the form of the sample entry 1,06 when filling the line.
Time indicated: 2,42
